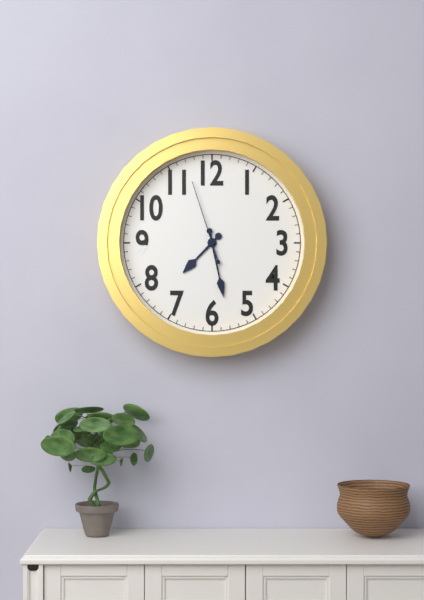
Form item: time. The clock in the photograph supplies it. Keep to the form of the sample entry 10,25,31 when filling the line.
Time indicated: 7,28,57
